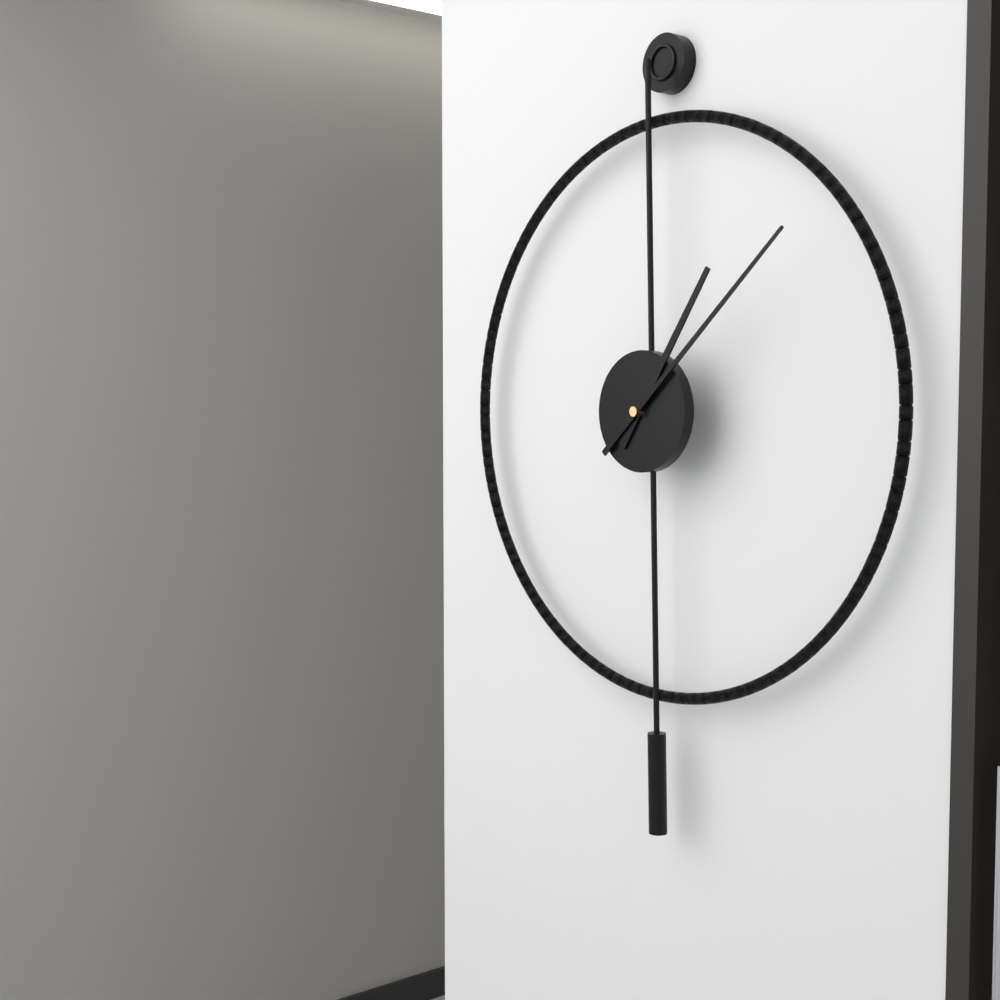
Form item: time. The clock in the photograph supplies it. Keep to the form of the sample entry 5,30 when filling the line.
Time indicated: 1,08
